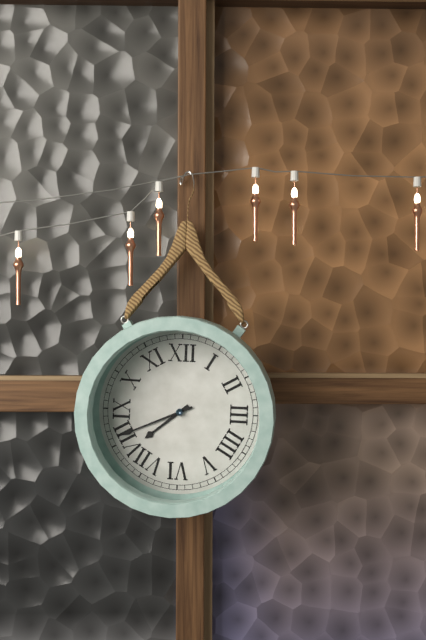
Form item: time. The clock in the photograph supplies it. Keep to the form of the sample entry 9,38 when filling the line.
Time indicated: 7,41
